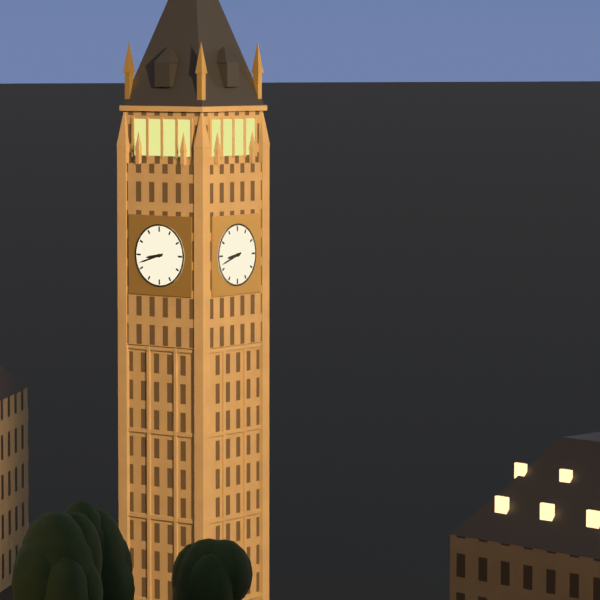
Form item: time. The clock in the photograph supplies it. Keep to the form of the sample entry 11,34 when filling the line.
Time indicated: 8,42
